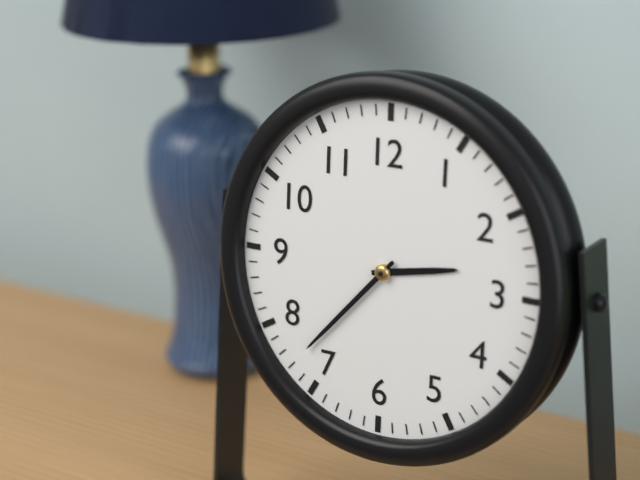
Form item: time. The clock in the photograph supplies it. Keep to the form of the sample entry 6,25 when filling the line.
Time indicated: 2,37
